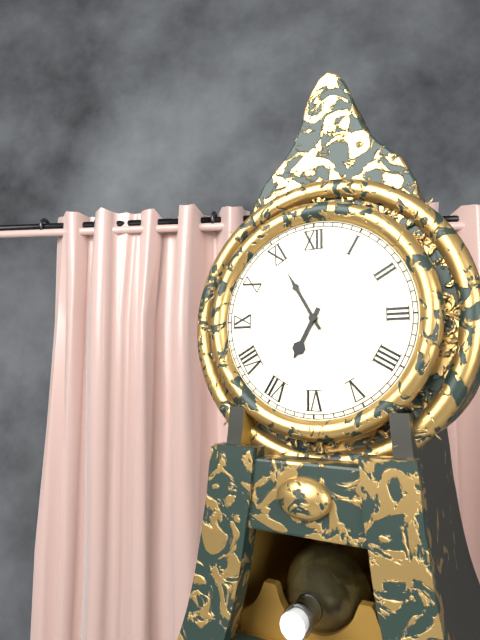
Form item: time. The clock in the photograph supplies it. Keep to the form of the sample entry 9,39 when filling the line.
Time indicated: 6,55
